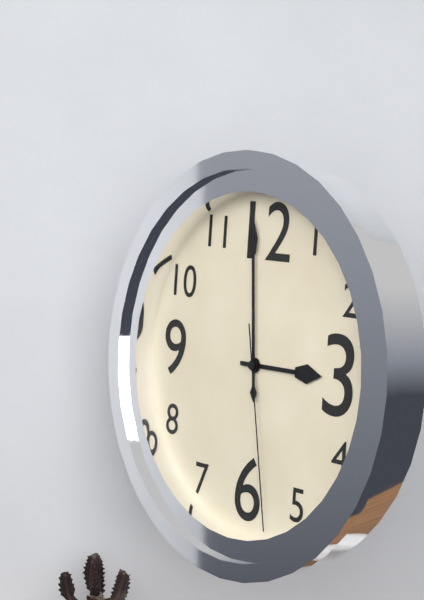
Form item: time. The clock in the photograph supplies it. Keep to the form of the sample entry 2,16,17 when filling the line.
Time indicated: 2,59,28
